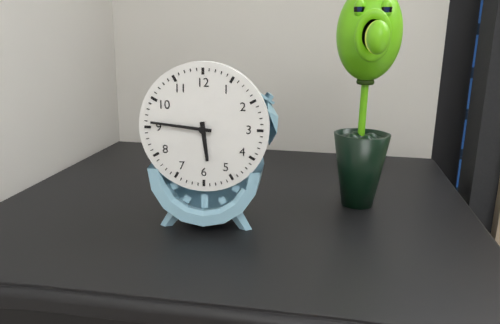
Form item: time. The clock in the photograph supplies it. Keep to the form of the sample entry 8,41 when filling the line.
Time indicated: 5,46
